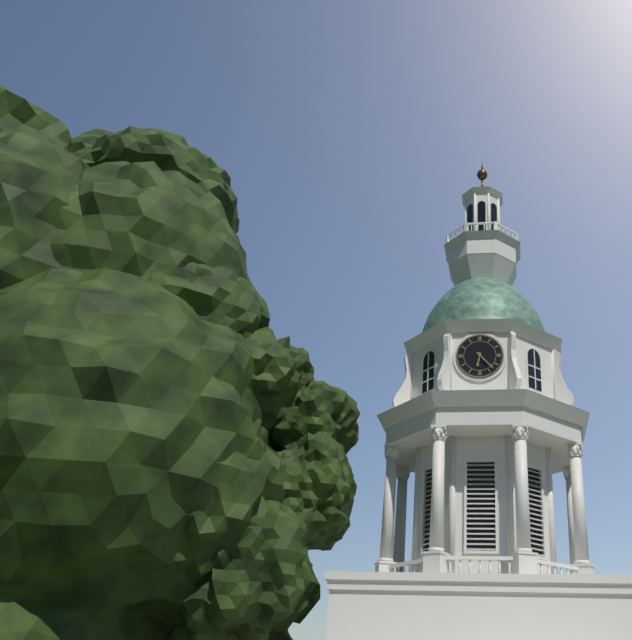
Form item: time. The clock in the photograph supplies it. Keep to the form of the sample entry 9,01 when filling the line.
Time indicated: 6,23
